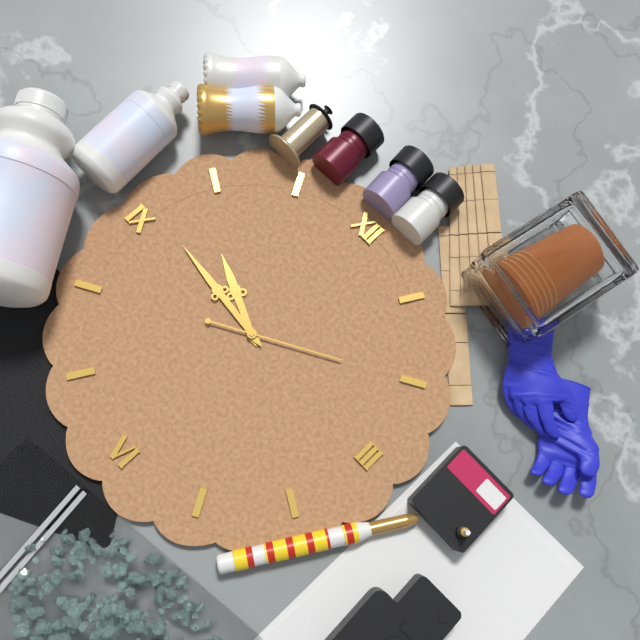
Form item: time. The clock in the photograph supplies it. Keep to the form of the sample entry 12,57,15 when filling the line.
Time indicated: 9,46,10
